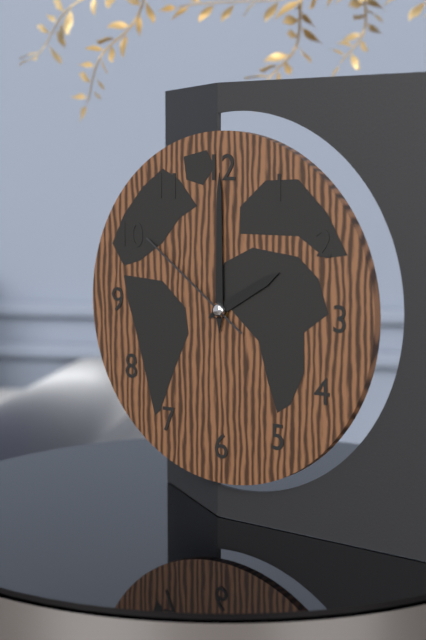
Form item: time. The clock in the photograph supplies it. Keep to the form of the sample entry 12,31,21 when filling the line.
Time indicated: 2,00,51
